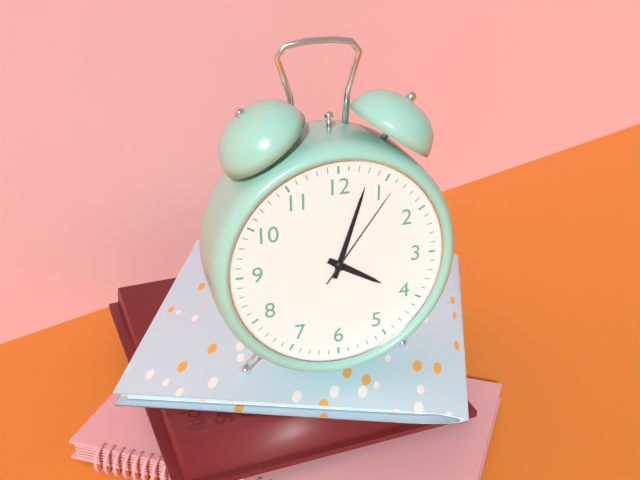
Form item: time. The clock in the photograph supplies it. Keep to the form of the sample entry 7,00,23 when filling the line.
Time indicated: 4,03,06
